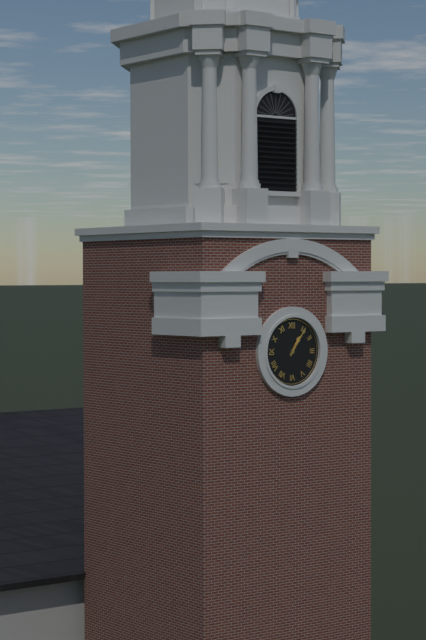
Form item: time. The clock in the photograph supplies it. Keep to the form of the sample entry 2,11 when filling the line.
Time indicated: 1,06
